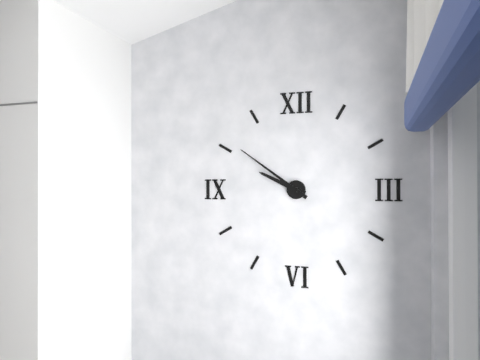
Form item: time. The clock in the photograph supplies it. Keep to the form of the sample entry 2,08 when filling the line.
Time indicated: 9,51
